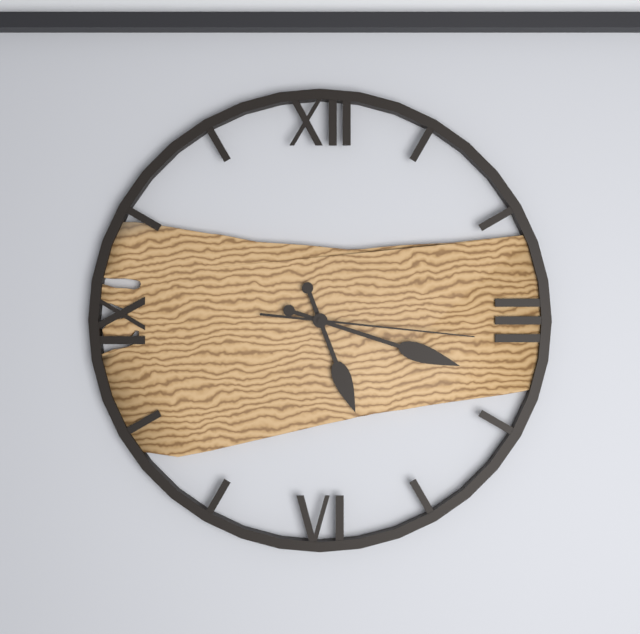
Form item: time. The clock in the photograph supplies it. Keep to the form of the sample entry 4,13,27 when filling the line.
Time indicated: 5,18,16
